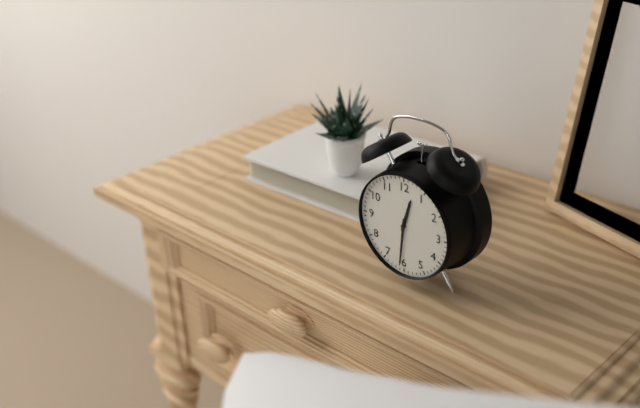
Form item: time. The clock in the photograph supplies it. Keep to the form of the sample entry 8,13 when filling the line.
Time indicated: 12,31
